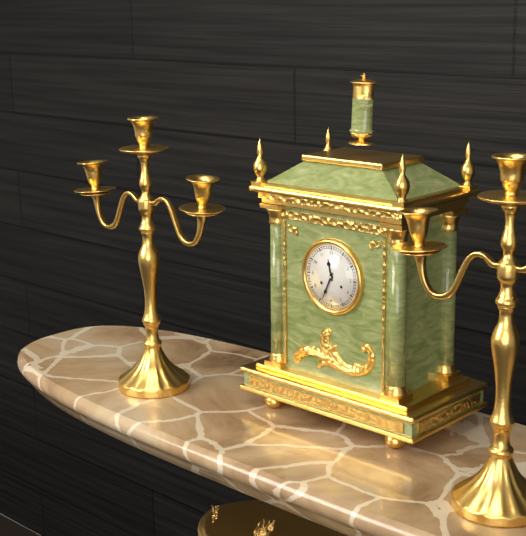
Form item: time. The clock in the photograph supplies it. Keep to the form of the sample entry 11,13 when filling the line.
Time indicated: 11,34
